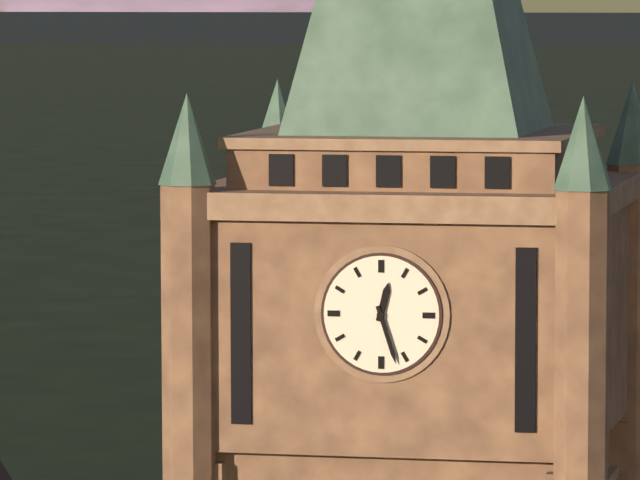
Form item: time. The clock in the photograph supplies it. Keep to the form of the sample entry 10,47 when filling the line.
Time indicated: 12,27
